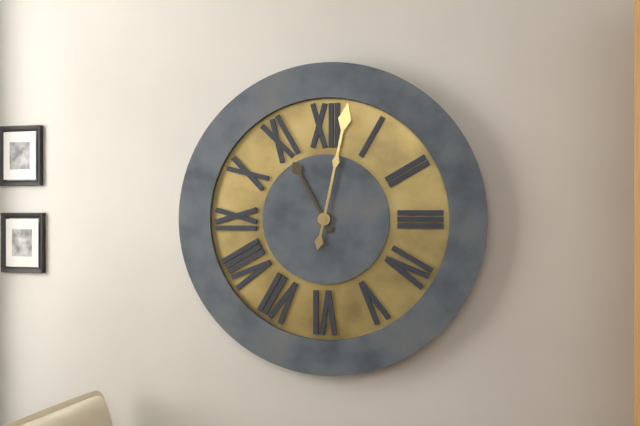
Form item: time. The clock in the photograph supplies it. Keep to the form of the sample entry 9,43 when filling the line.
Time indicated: 11,02
